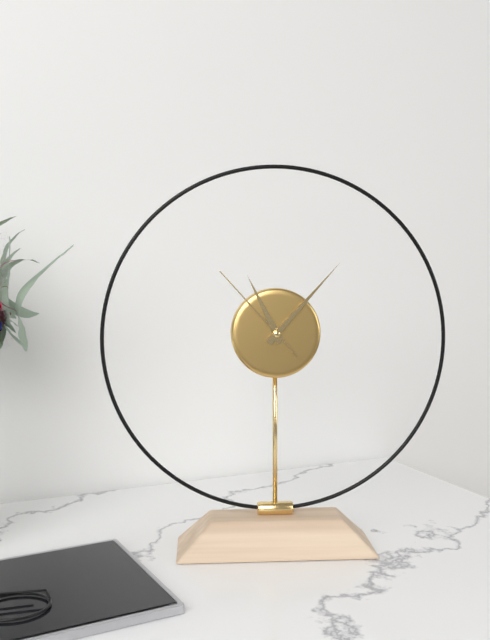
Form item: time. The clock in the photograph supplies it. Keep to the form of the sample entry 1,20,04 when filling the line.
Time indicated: 11,07,53
